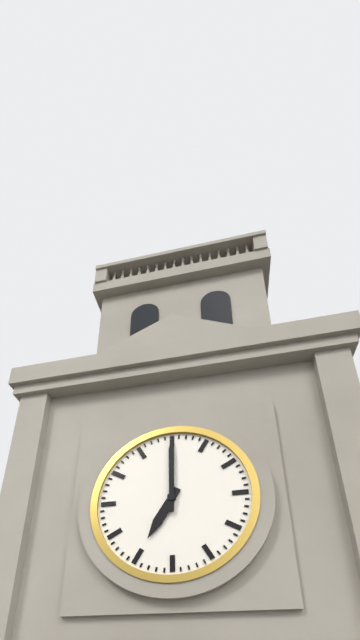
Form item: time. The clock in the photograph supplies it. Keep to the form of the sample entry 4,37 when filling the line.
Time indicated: 7,00
